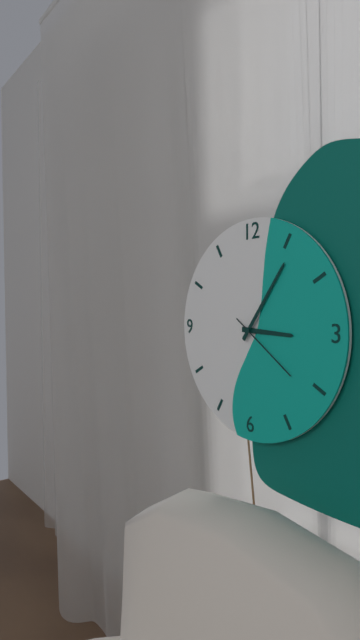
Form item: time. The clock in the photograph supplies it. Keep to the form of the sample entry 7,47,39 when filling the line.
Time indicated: 3,06,21
